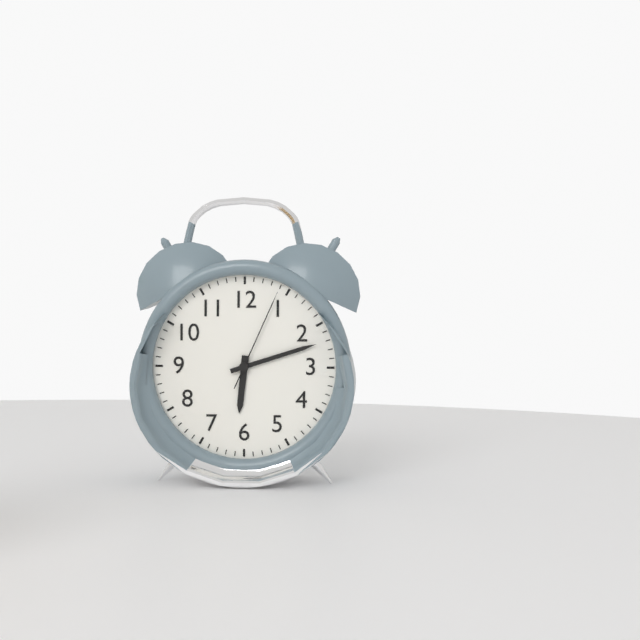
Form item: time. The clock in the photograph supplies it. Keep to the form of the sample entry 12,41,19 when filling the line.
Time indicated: 6,12,04
